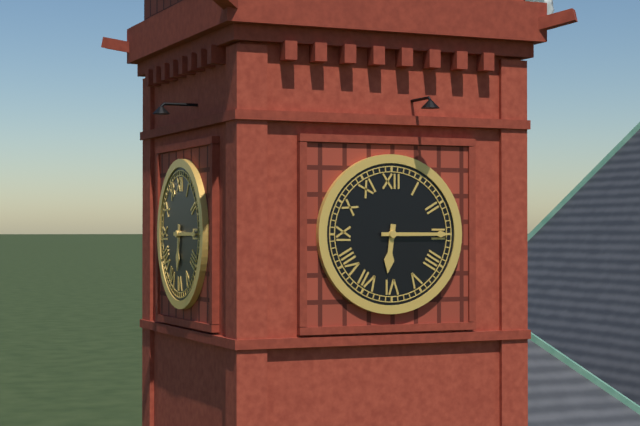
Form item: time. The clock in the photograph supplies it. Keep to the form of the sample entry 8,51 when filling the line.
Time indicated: 6,15
